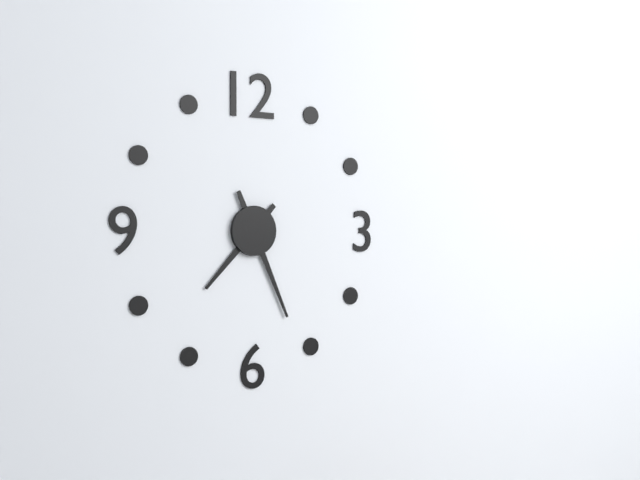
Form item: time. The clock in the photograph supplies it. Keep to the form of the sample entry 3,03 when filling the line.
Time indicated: 7,26
